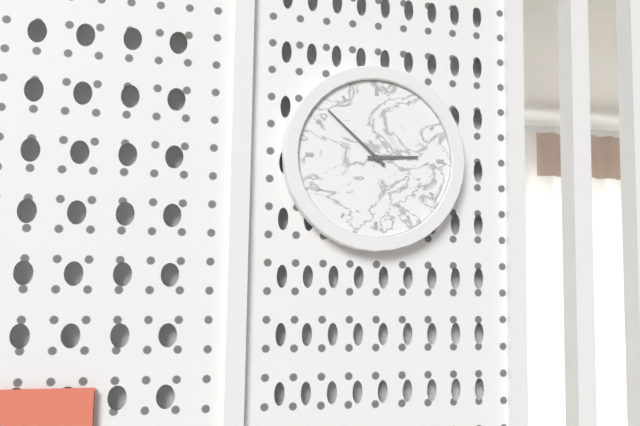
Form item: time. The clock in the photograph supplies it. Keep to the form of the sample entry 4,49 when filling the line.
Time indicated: 2,52
